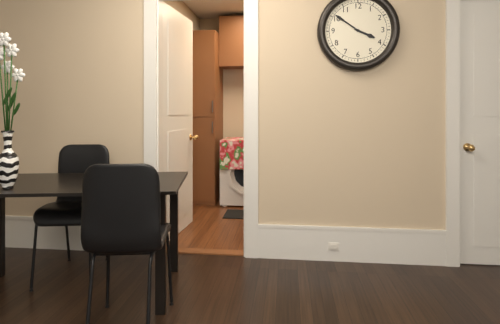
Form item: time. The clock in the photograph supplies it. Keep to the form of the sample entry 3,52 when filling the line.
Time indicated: 3,51
